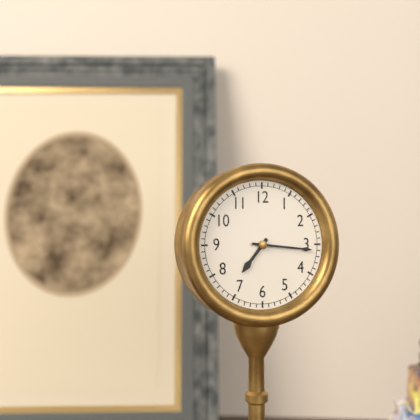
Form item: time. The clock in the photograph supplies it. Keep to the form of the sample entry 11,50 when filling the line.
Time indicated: 7,16
